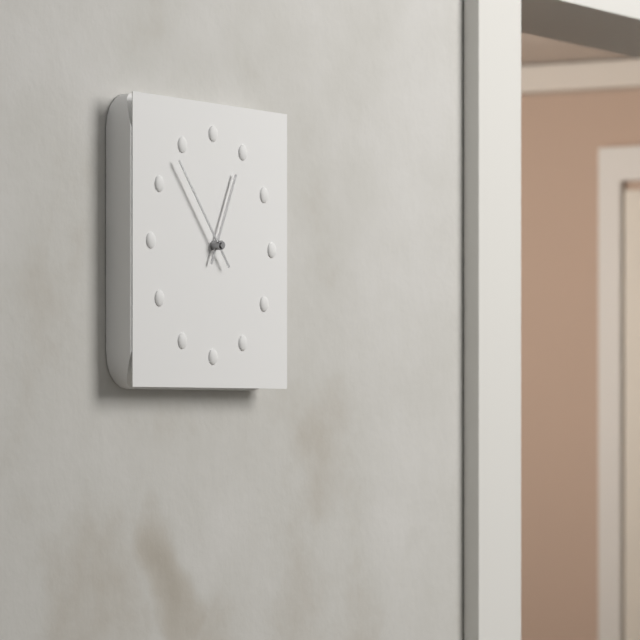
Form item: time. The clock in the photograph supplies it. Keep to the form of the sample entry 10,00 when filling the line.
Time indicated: 12,53
